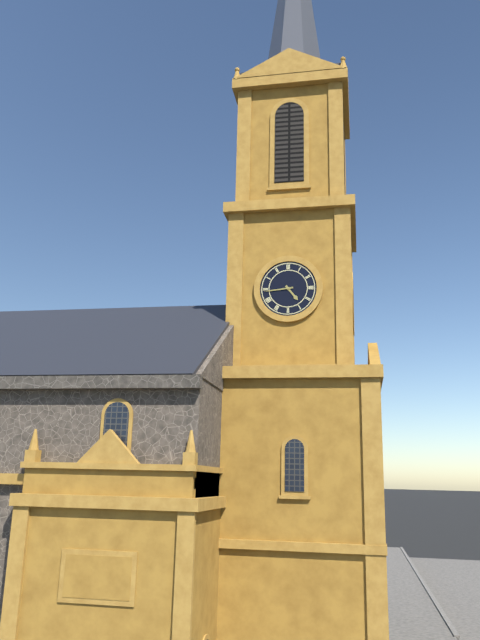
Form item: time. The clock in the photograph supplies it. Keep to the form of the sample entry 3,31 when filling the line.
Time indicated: 4,44
